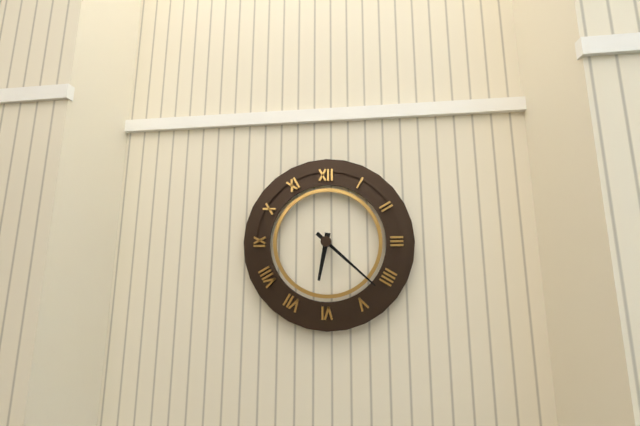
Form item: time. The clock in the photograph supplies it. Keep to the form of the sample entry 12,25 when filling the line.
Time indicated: 6,22
